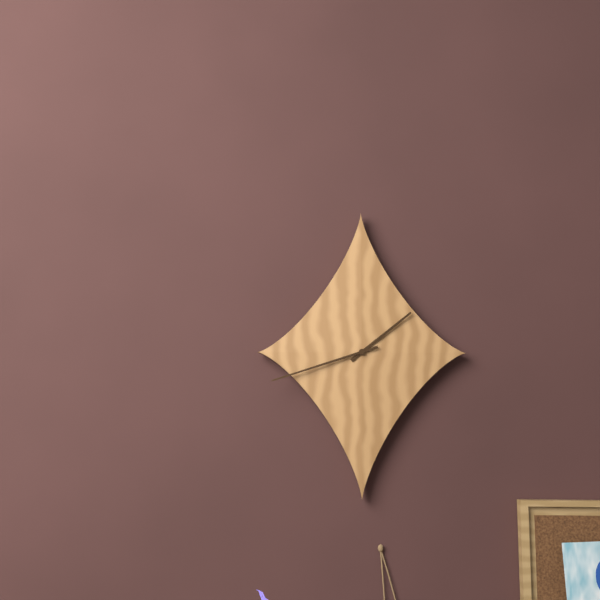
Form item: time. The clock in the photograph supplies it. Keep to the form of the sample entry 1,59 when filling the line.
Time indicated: 1,42
